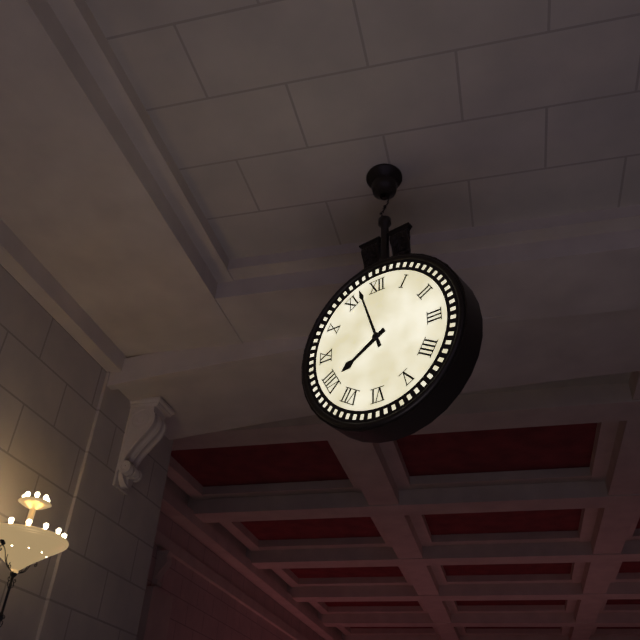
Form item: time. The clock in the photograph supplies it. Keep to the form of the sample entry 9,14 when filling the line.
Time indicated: 7,57
